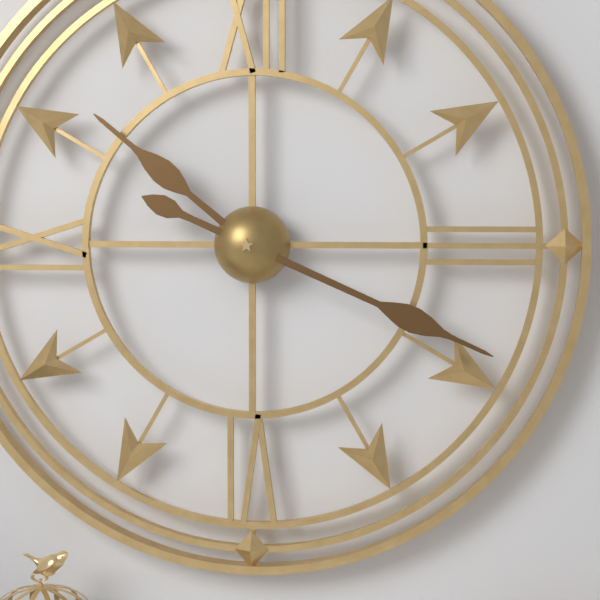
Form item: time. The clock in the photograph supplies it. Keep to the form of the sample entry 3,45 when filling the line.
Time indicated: 10,19
